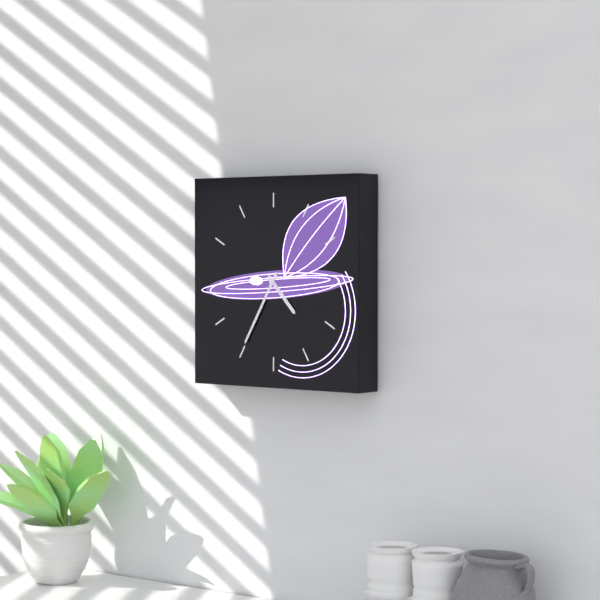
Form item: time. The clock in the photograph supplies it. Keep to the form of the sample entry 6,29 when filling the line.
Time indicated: 4,35
